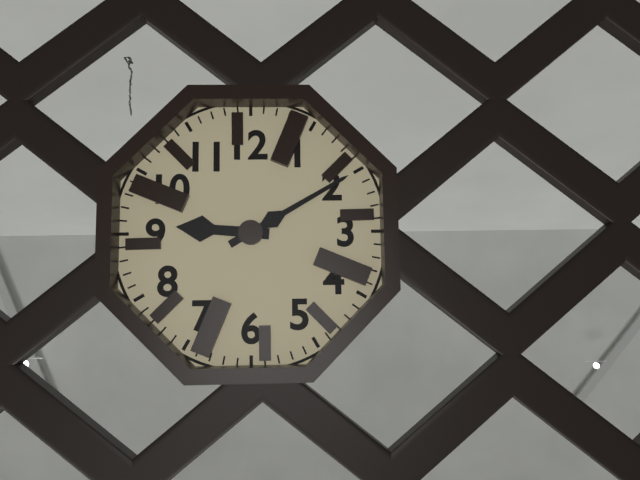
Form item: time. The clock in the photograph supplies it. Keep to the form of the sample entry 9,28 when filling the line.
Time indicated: 9,10
